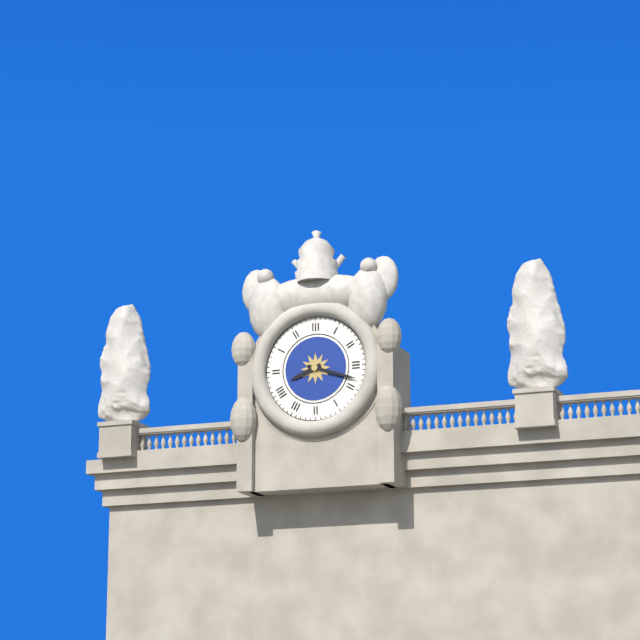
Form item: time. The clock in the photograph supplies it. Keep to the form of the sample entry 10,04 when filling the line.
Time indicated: 8,18
